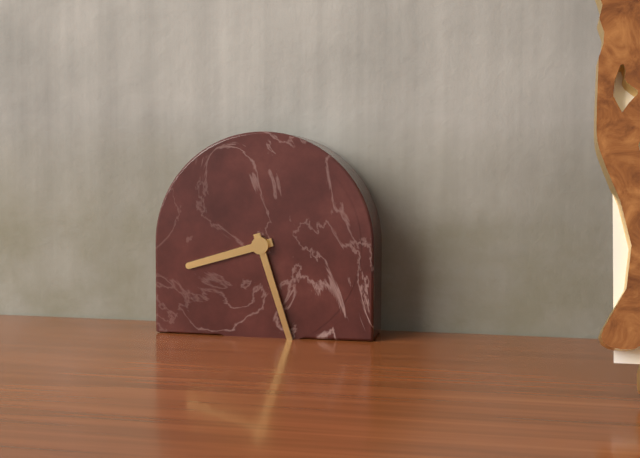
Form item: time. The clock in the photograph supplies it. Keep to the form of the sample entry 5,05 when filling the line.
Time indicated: 8,27
